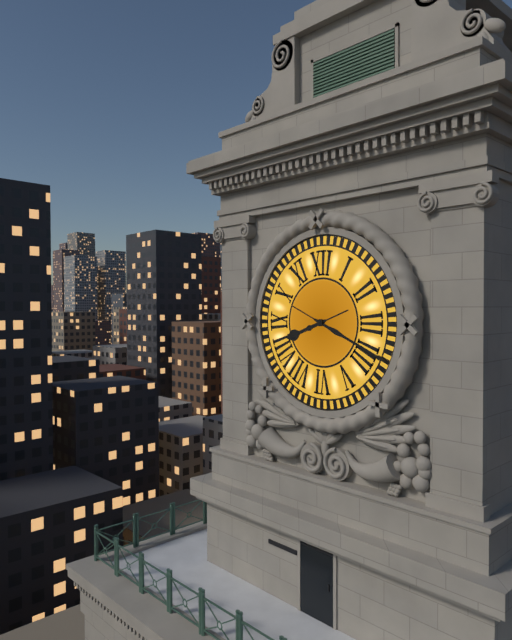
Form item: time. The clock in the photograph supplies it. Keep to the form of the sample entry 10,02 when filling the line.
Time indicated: 8,19
